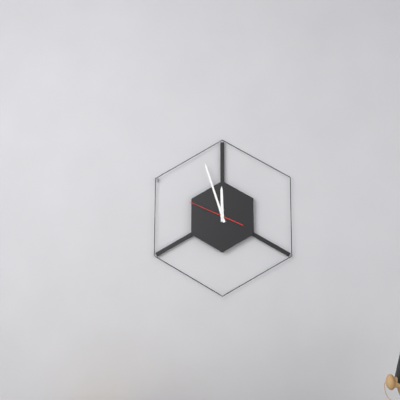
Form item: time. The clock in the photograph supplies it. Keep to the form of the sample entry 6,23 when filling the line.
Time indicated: 11,57
